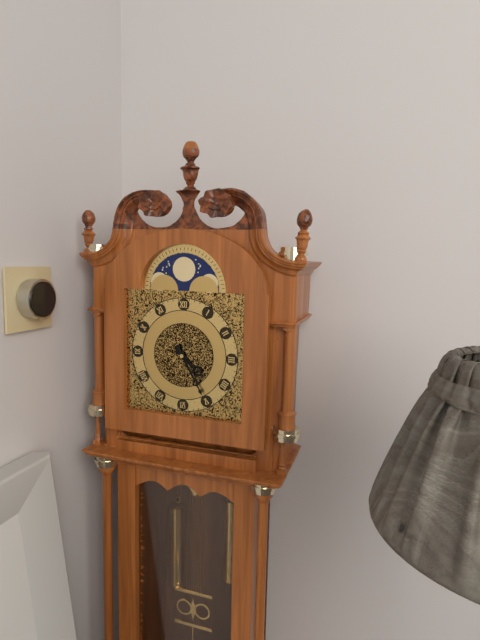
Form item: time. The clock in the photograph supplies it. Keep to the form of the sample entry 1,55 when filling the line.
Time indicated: 4,25
